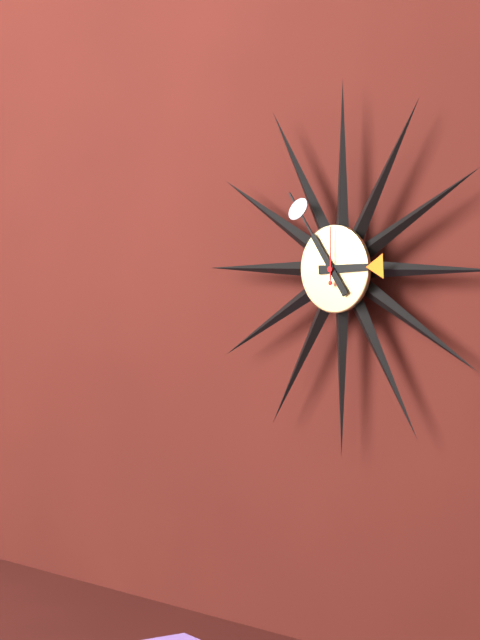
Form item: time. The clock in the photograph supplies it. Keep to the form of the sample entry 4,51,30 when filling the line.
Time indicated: 2,54,00
